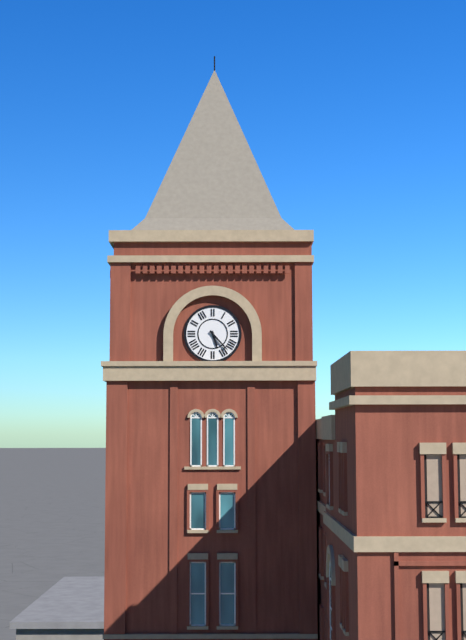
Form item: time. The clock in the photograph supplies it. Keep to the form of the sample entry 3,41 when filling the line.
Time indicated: 5,23
